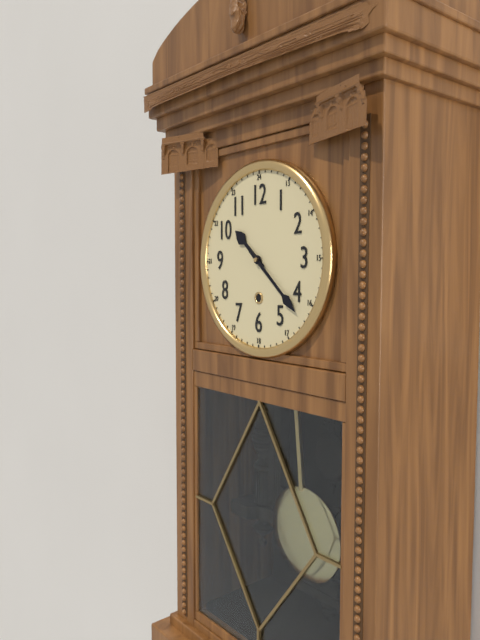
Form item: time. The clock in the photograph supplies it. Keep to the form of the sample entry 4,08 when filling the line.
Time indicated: 10,22
